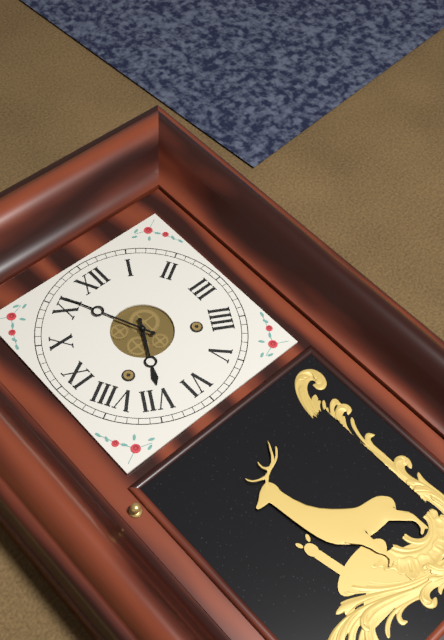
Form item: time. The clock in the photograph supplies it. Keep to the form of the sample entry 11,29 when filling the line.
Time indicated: 6,56
